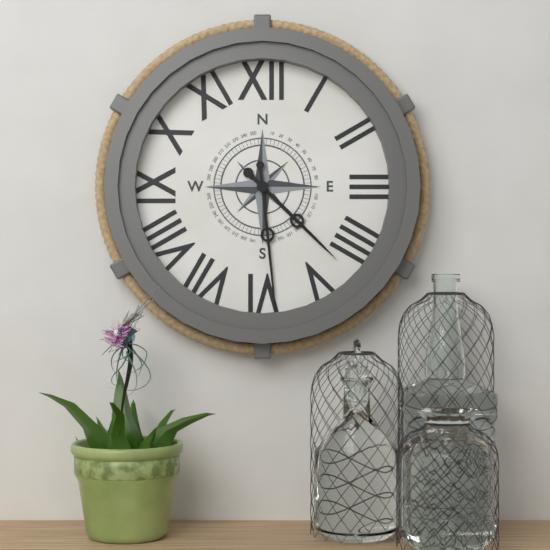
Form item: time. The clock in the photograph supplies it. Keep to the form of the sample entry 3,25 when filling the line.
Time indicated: 4,29
